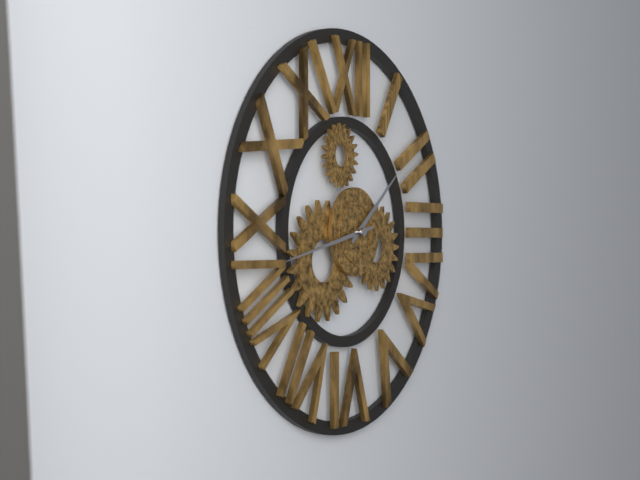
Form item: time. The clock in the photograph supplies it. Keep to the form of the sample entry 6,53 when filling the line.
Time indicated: 1,43
